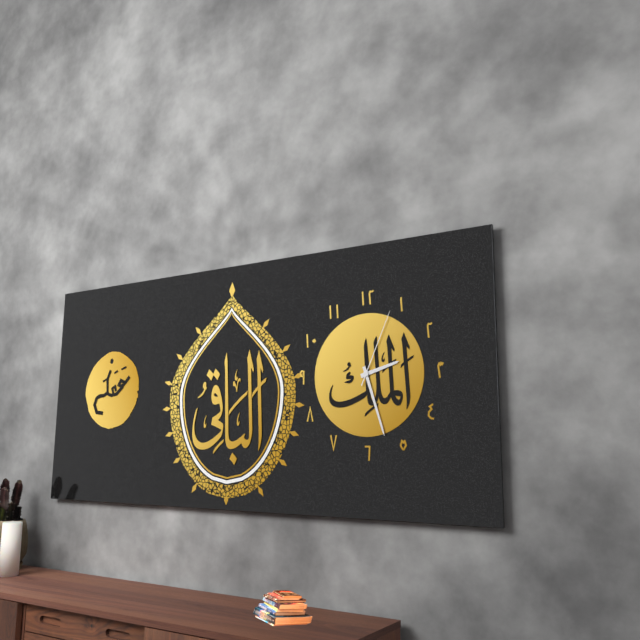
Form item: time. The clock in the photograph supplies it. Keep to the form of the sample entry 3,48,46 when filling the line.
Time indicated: 2,27,04
